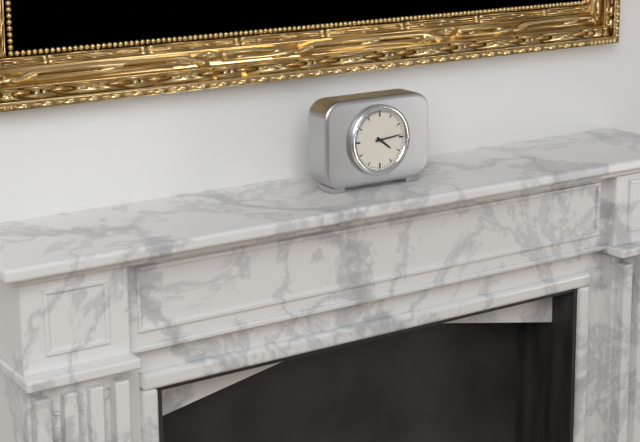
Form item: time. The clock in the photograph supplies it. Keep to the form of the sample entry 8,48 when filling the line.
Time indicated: 4,14
